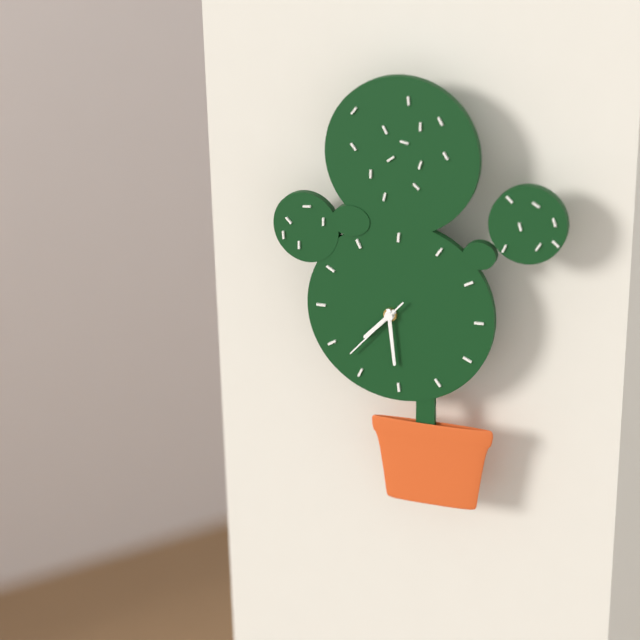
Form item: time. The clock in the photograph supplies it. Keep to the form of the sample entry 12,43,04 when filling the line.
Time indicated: 7,29,37
